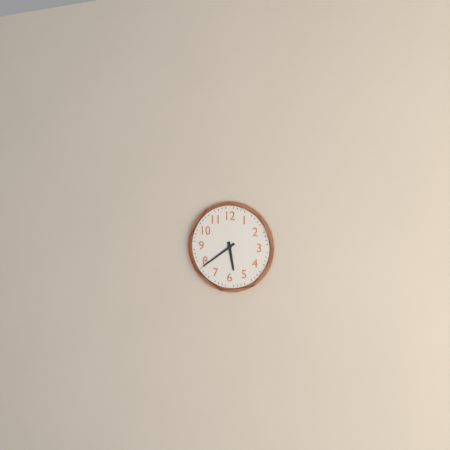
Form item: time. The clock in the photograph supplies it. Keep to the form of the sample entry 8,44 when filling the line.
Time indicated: 5,39
